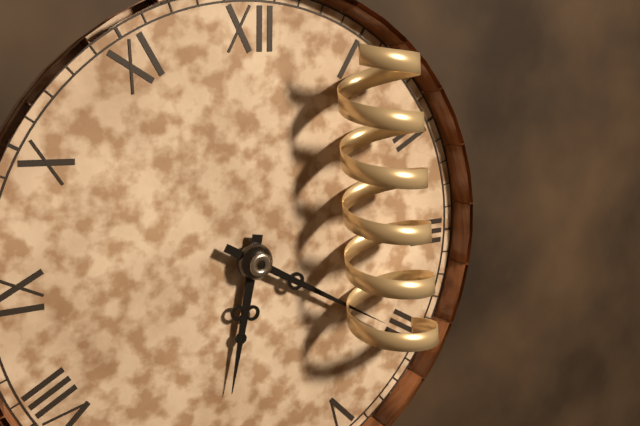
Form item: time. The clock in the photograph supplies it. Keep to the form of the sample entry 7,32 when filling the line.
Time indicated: 6,20
